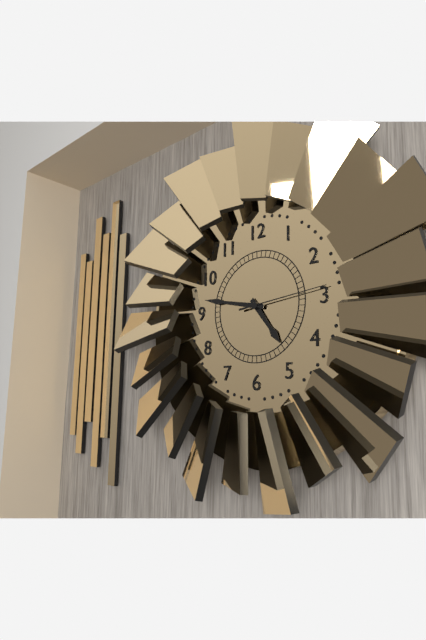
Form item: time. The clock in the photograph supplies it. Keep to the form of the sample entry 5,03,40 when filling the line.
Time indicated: 4,47,14
